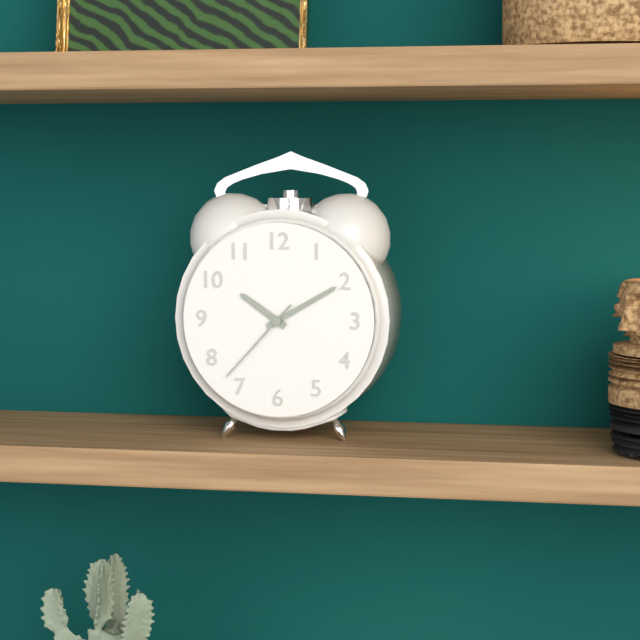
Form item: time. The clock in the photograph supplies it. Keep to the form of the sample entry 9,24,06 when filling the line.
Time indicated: 10,10,37
